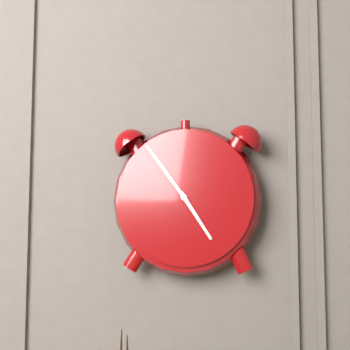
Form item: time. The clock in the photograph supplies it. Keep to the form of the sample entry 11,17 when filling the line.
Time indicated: 4,54
